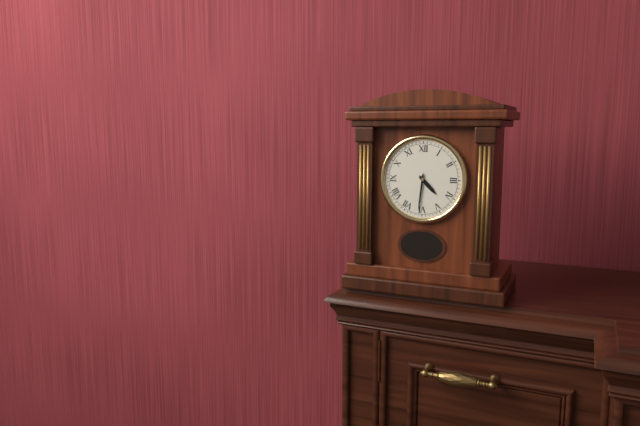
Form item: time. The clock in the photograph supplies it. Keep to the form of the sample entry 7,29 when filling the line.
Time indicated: 4,31
